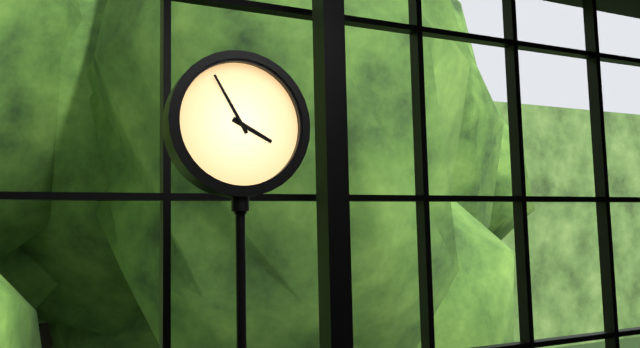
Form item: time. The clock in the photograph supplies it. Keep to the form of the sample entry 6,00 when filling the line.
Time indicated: 3,55
